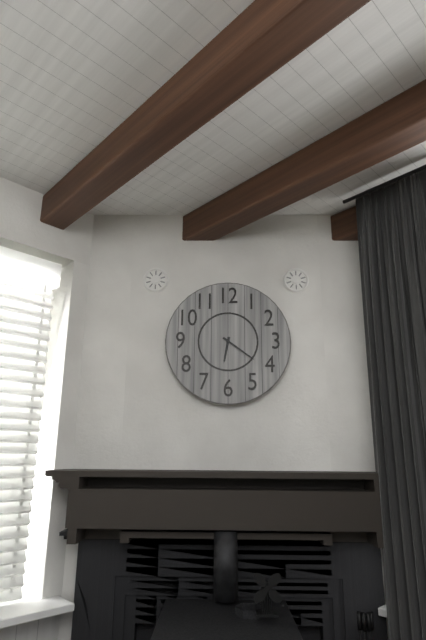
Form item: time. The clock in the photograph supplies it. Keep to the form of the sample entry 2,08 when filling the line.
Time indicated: 6,21
